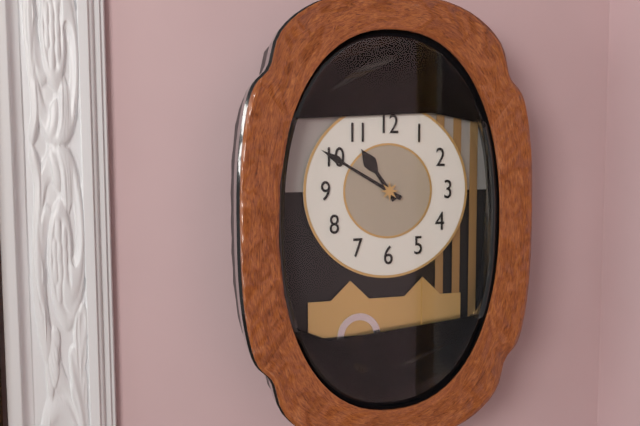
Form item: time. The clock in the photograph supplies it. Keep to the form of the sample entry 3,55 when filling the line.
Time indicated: 10,50
